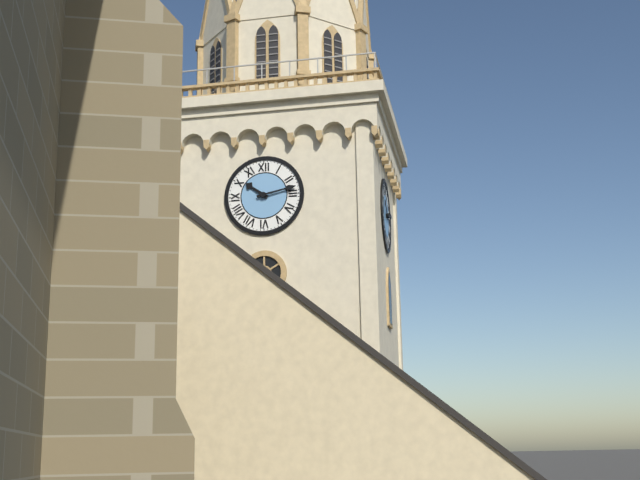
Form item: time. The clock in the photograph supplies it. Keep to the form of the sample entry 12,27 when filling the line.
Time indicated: 10,13
